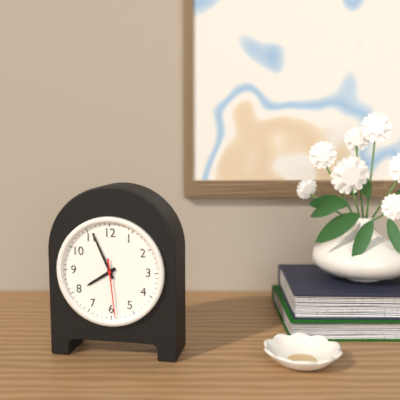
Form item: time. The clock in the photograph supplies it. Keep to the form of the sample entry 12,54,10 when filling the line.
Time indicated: 7,56,29
